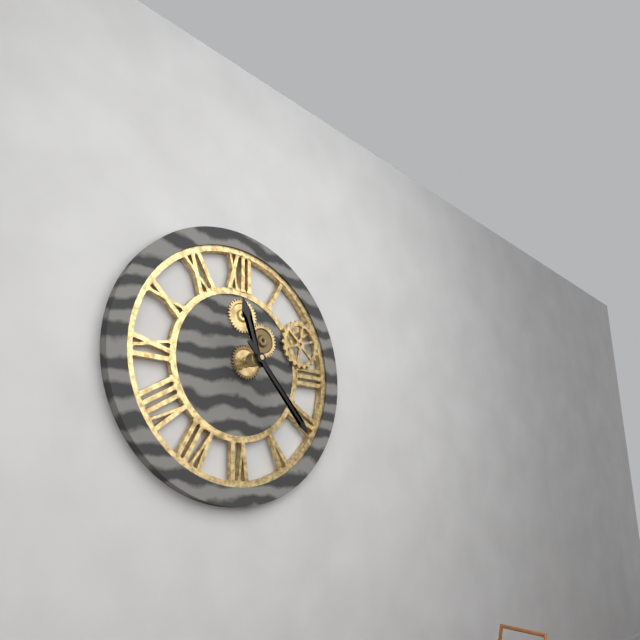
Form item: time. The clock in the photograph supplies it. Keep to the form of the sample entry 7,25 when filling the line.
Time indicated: 11,23
